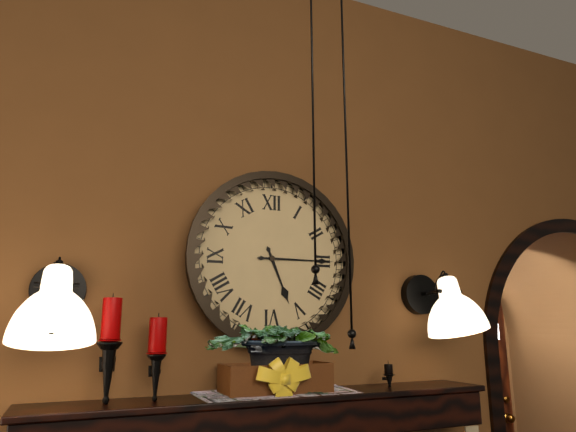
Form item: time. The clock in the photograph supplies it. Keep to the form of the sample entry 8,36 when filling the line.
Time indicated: 5,15
